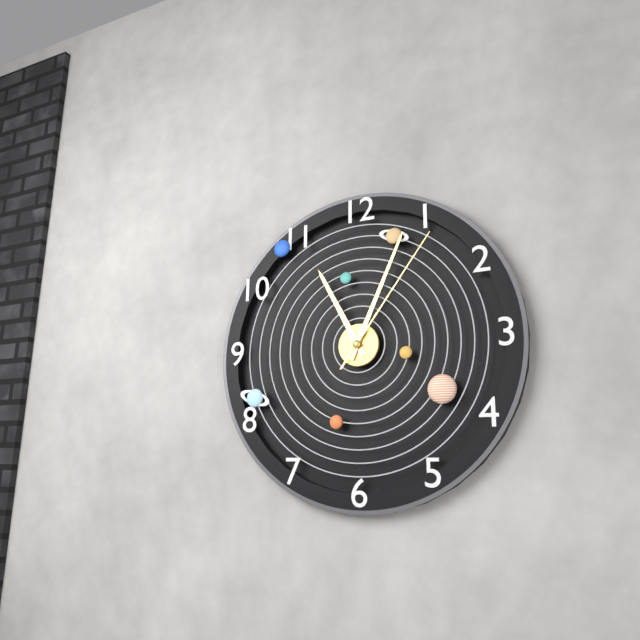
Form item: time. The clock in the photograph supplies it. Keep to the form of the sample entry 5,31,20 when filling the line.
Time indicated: 11,04,06
